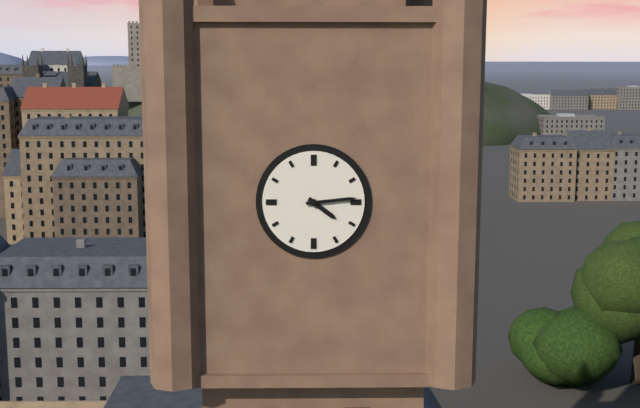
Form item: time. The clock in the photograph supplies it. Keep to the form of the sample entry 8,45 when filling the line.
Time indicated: 4,14
